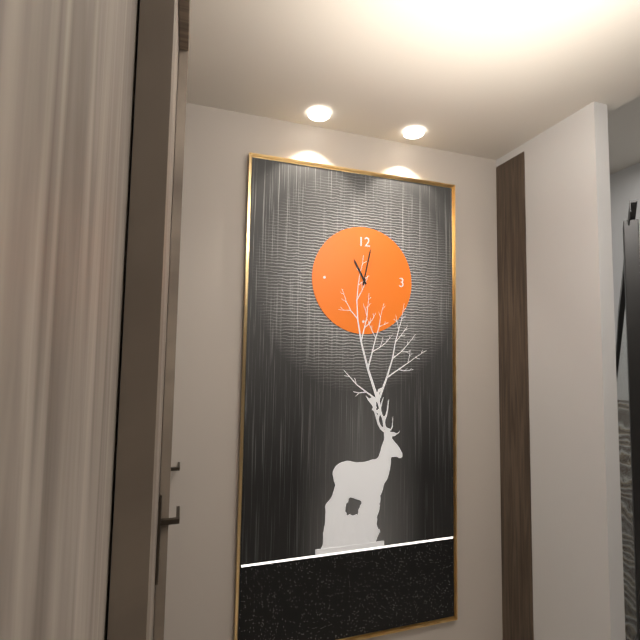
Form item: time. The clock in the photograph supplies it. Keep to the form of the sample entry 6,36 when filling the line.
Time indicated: 11,02
